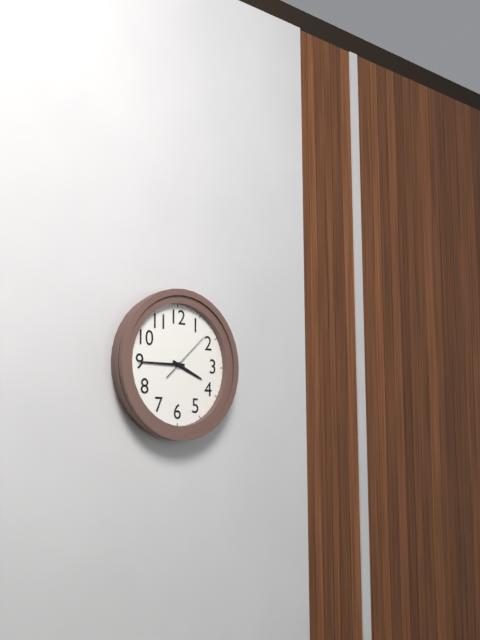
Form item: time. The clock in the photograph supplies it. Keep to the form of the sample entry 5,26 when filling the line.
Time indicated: 3,45
